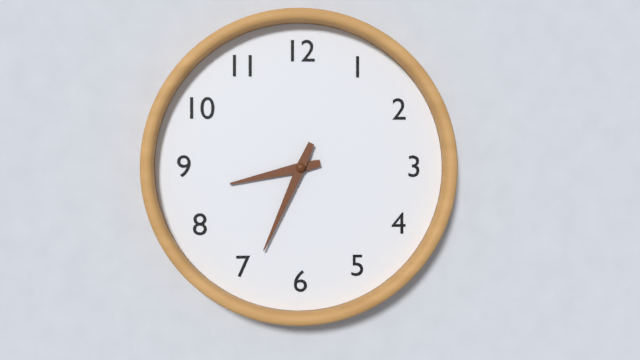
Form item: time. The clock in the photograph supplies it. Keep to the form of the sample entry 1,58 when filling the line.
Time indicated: 8,34
